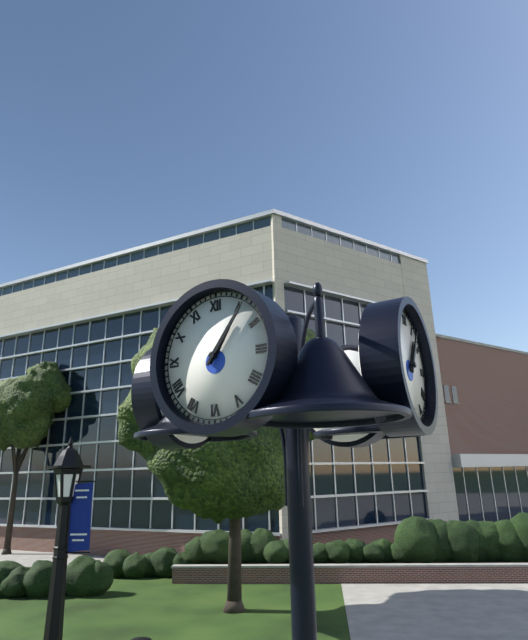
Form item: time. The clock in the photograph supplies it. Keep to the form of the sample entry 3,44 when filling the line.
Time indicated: 1,06
